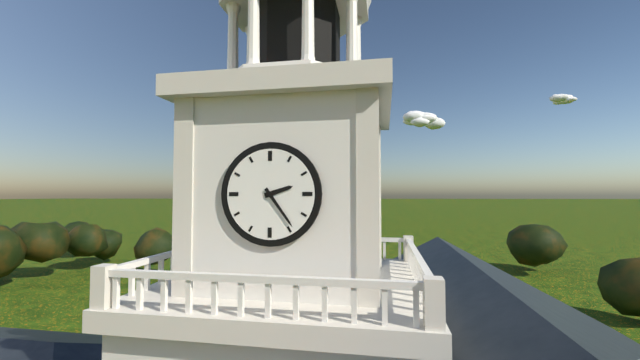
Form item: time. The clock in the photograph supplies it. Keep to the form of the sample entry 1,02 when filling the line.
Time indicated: 2,24
